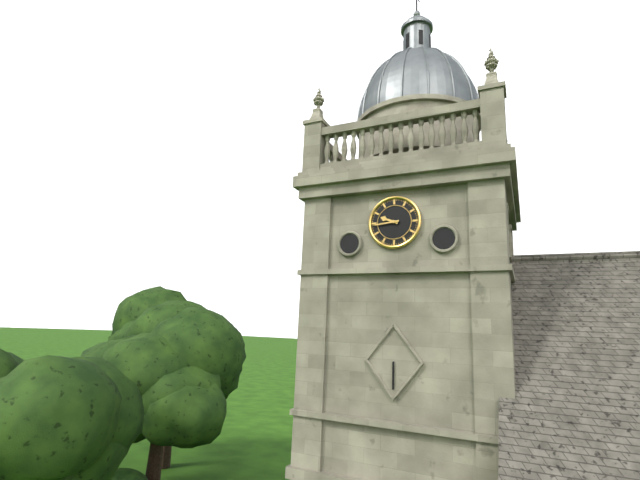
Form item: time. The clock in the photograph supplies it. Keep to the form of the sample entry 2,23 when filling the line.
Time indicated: 9,44
